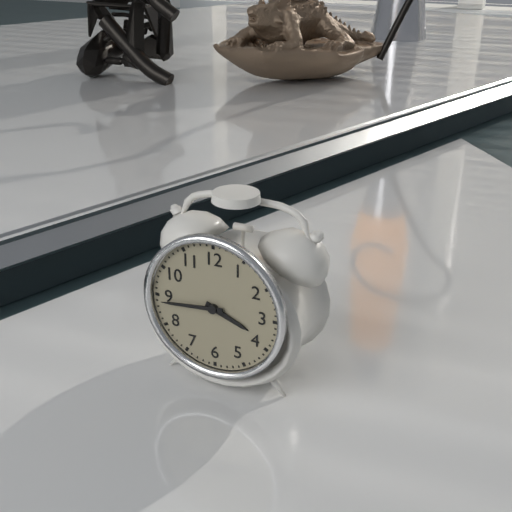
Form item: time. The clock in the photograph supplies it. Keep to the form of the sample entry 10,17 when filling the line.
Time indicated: 3,44
